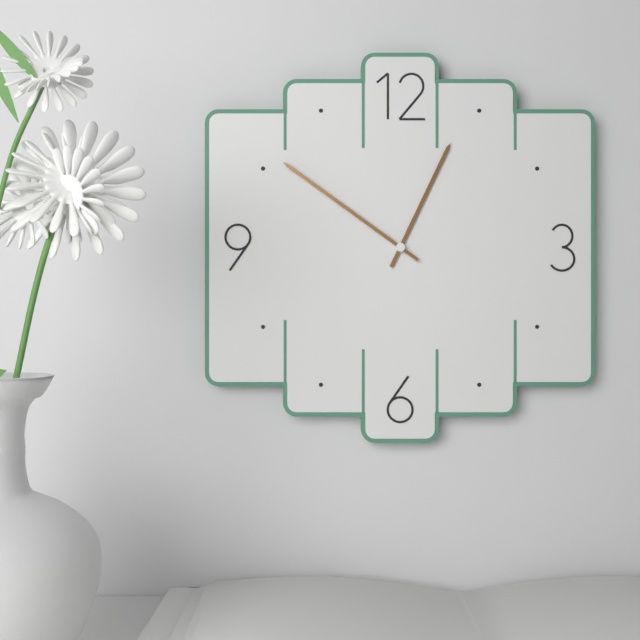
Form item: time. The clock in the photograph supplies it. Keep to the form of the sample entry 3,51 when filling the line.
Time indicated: 12,51
